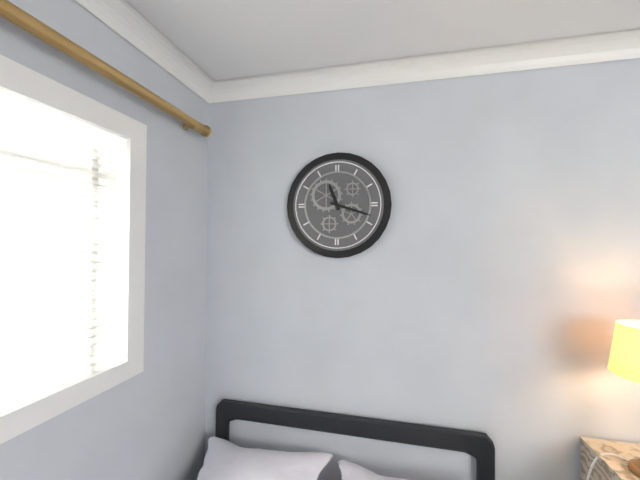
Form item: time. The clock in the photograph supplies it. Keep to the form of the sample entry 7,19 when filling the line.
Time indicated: 11,18
